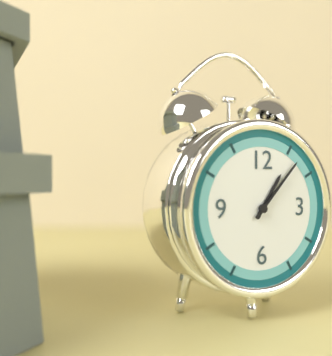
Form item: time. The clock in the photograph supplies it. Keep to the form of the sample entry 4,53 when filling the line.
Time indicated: 1,07
